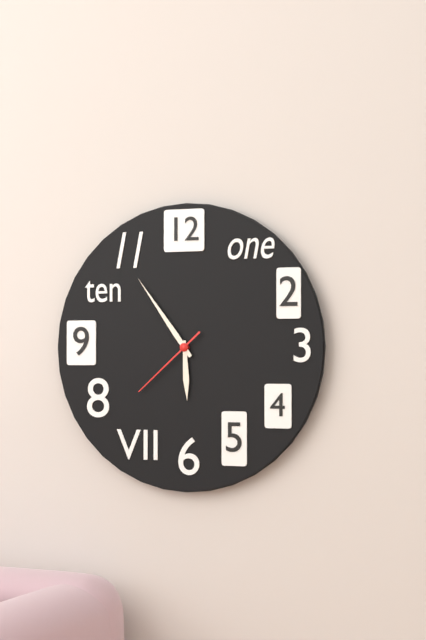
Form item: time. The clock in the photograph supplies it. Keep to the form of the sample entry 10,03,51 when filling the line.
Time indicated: 5,54,38
